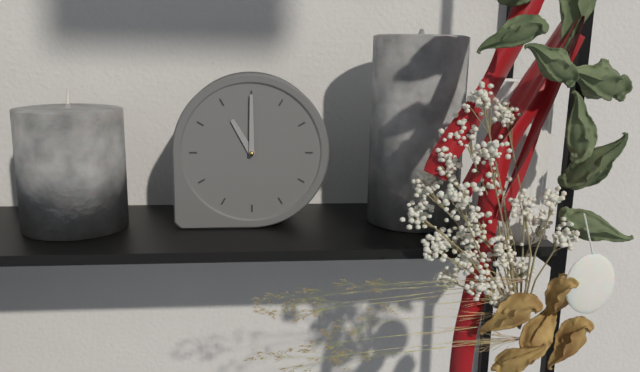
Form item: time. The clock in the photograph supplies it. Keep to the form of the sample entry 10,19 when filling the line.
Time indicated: 11,00
